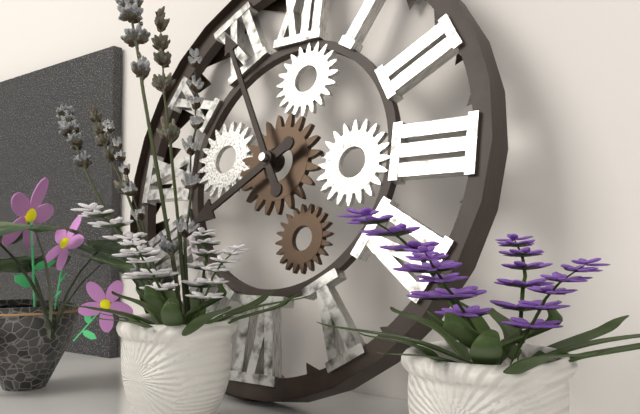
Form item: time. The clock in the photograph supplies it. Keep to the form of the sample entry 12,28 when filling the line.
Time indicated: 7,55
